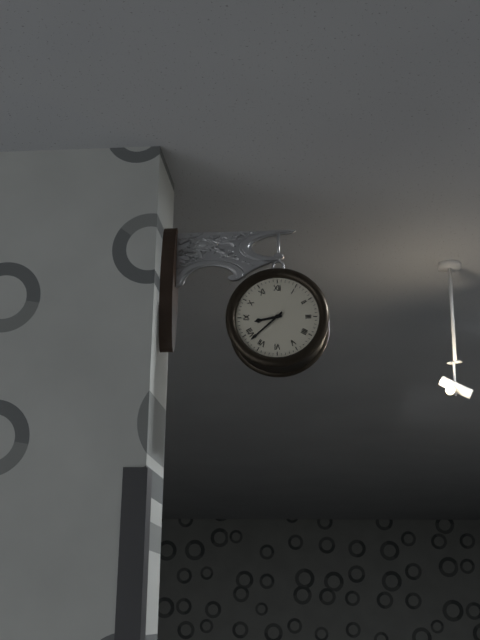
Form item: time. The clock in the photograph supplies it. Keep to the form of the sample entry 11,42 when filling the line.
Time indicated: 8,38
